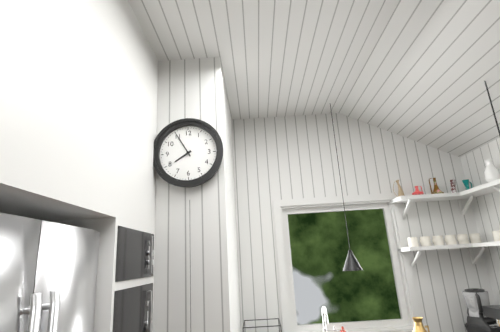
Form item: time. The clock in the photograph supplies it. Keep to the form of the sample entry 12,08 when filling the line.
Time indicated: 7,55
